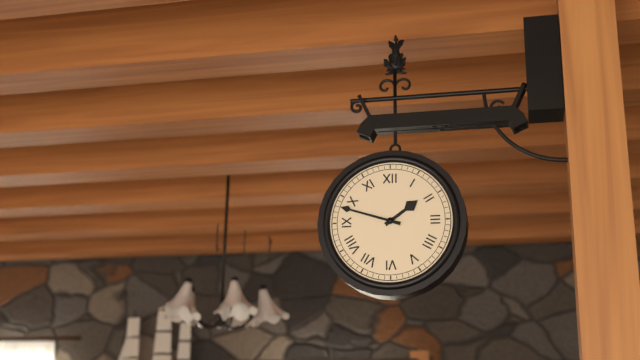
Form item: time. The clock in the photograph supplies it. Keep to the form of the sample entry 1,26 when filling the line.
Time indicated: 1,48
